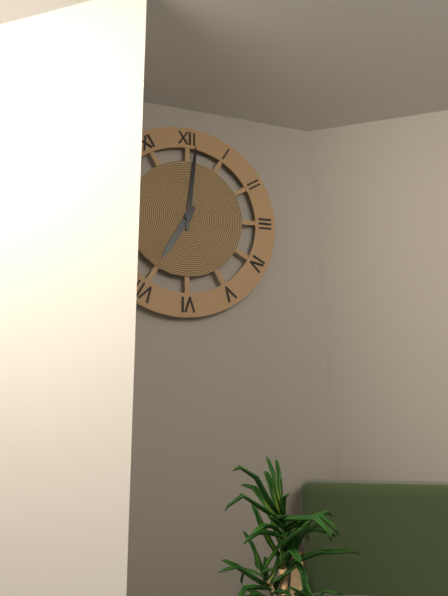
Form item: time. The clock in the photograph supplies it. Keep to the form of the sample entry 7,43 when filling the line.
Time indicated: 7,01
